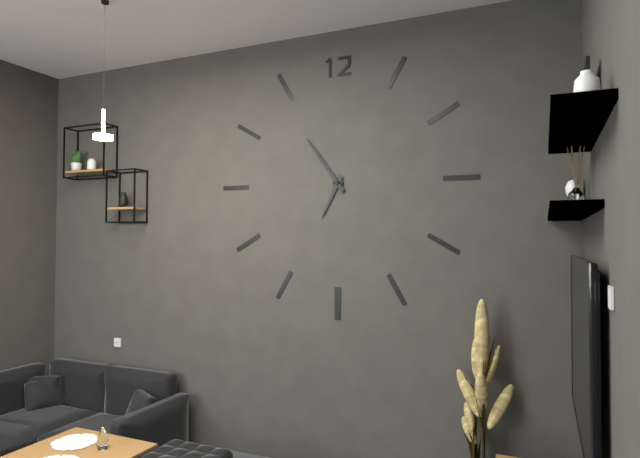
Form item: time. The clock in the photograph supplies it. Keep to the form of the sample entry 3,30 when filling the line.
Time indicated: 6,54
